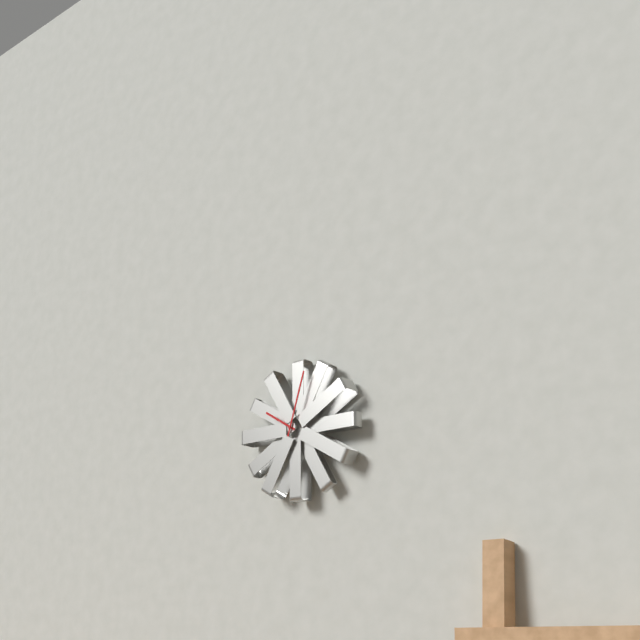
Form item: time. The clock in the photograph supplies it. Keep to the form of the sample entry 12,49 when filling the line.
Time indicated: 10,03
